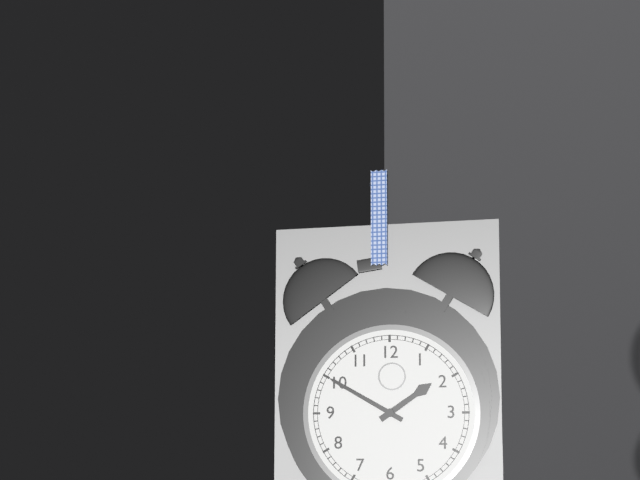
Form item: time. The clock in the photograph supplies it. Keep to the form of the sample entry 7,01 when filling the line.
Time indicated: 1,50
